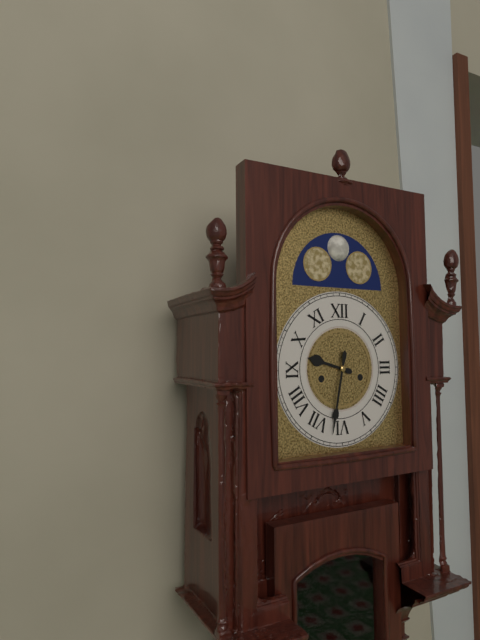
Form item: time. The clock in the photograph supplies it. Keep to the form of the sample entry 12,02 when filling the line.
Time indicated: 9,32
